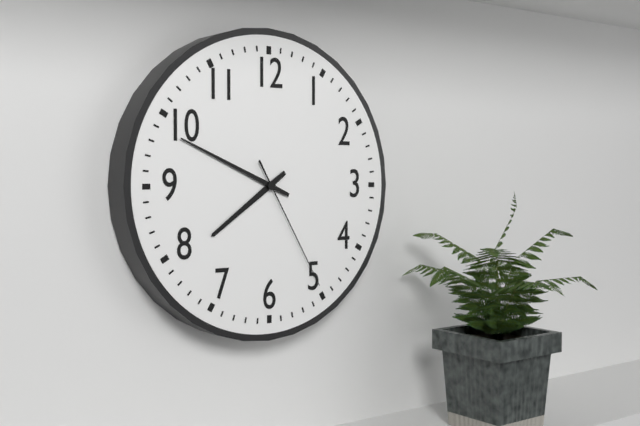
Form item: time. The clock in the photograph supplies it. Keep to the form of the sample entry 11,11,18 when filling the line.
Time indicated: 7,49,25
